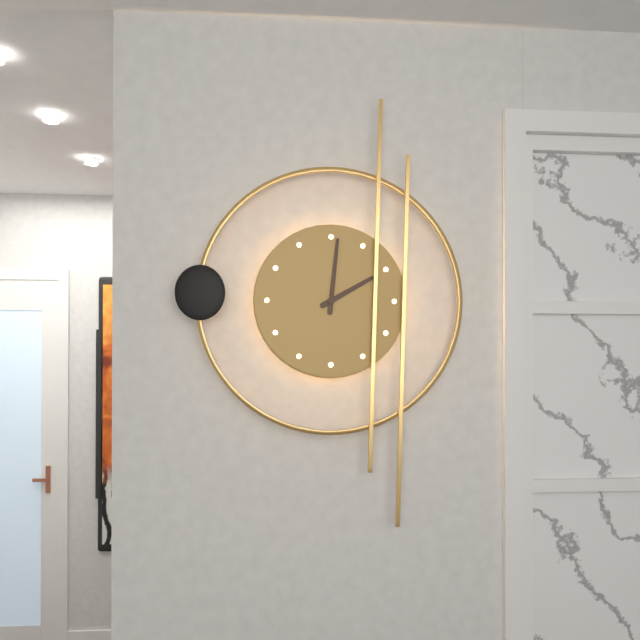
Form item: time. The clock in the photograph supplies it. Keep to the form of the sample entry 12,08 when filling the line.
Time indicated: 2,01
